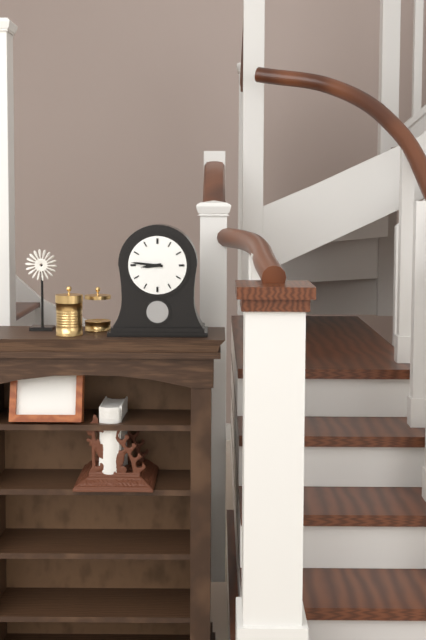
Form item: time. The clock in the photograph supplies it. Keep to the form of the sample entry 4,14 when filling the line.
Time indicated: 8,46
